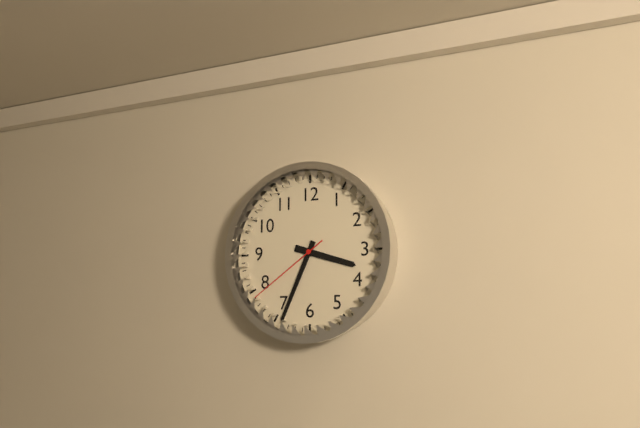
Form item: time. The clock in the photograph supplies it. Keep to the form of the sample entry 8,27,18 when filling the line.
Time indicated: 3,34,39
